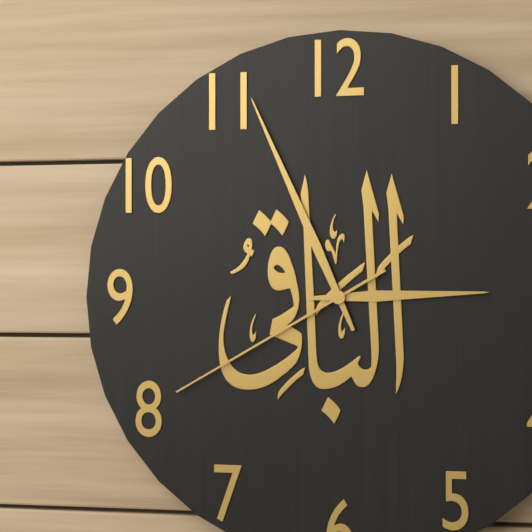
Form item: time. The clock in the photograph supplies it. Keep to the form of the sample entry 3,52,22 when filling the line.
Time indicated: 2,56,40
